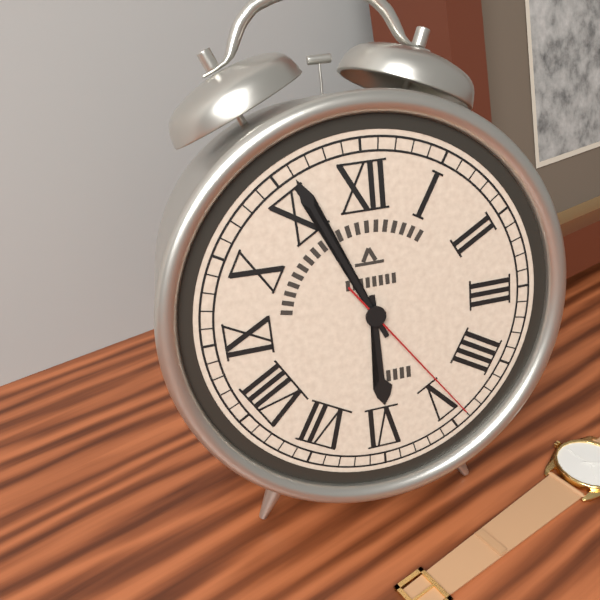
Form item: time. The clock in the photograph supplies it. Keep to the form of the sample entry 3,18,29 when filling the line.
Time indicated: 5,56,24
